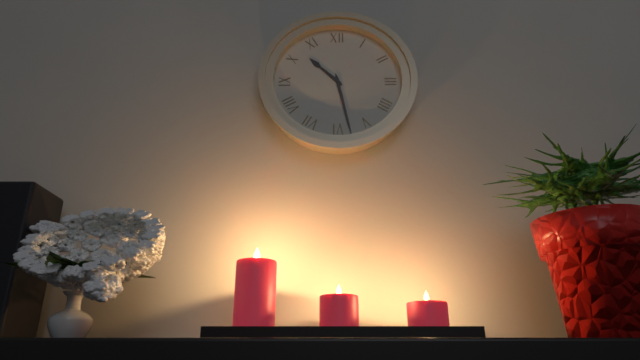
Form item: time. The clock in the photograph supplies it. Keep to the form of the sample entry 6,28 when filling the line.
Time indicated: 10,28
